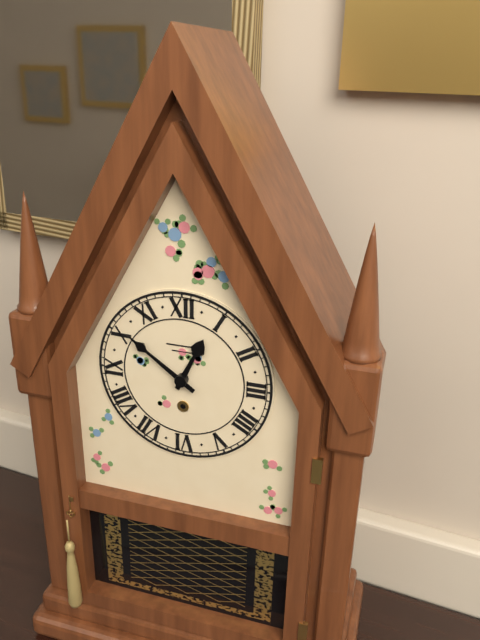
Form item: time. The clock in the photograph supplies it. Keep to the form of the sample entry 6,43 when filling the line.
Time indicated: 12,51
